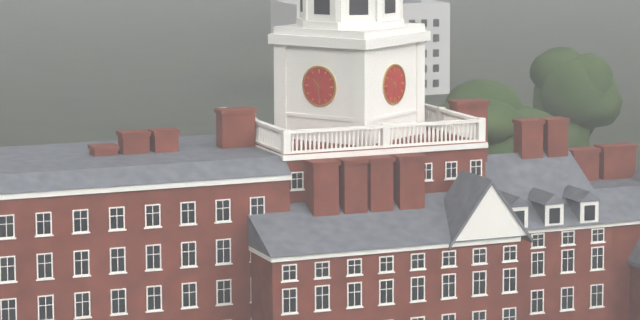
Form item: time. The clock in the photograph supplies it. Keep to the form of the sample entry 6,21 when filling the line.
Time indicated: 10,29
